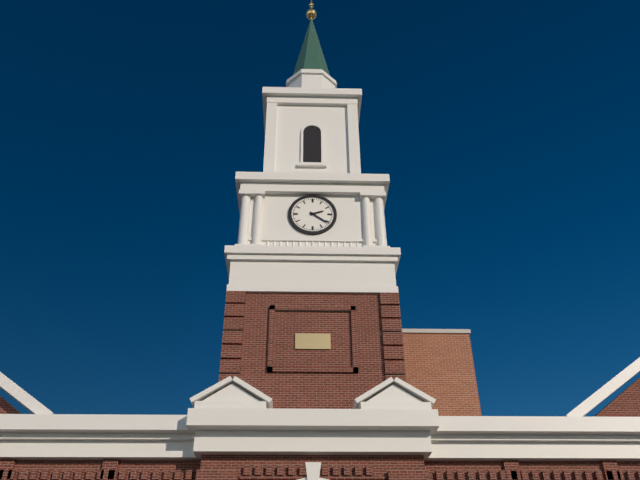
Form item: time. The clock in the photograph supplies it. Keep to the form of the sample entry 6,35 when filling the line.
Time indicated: 2,21
